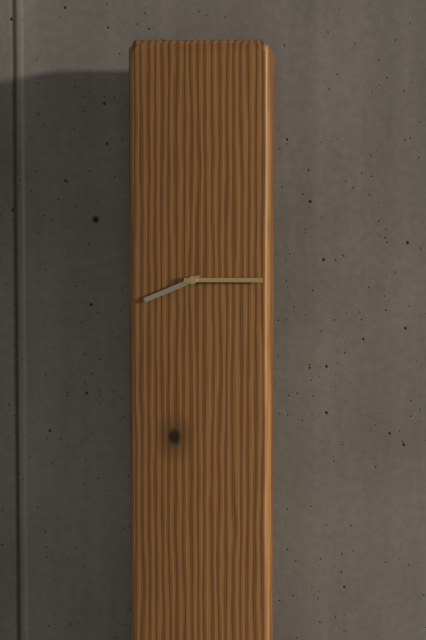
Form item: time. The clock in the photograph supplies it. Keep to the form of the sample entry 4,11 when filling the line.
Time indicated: 8,15
